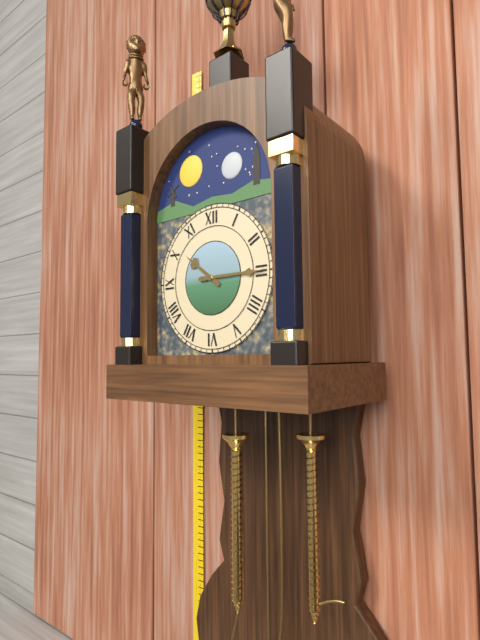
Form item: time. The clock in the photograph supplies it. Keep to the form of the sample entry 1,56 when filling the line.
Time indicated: 10,15
